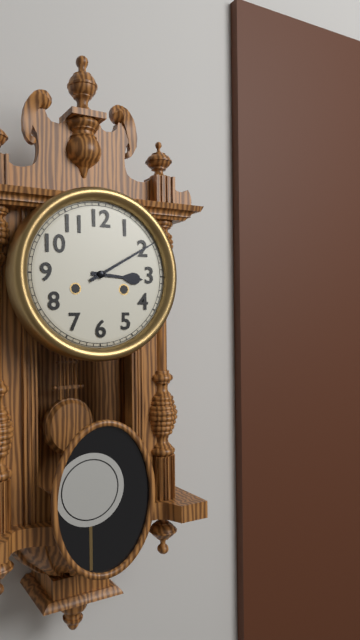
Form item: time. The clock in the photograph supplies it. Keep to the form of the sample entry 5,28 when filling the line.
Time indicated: 3,10
